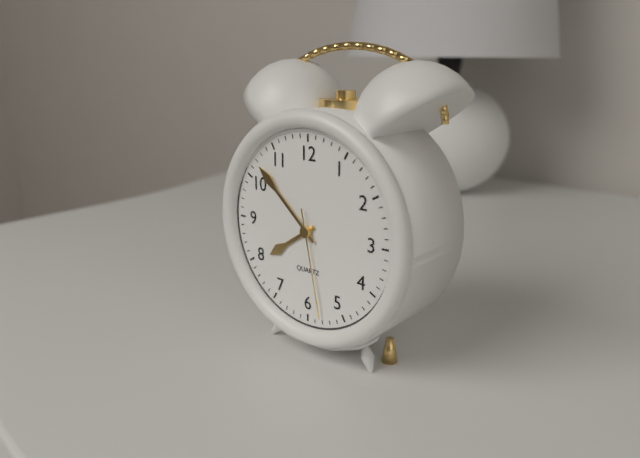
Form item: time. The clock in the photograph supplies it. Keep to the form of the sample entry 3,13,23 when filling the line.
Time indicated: 7,52,28
